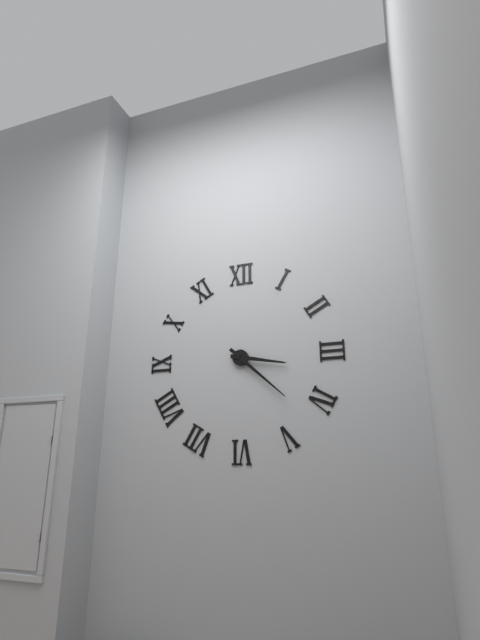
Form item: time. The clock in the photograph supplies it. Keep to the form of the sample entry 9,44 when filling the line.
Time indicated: 3,22
